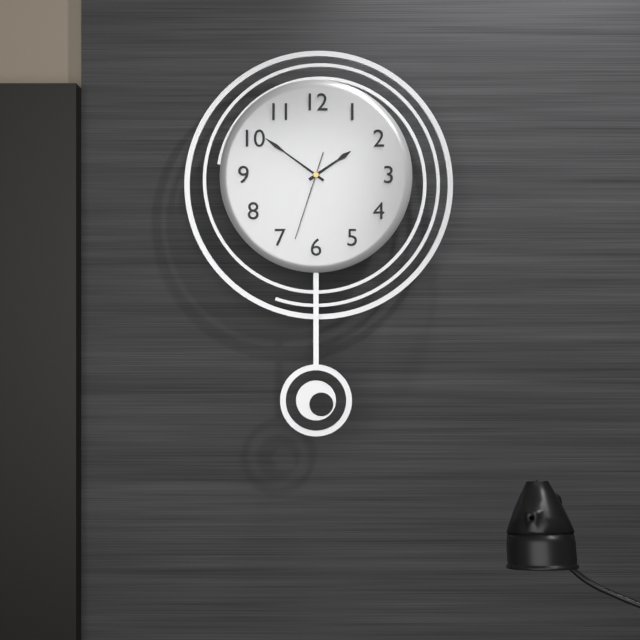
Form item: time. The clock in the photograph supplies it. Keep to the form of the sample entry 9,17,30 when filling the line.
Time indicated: 1,51,33
